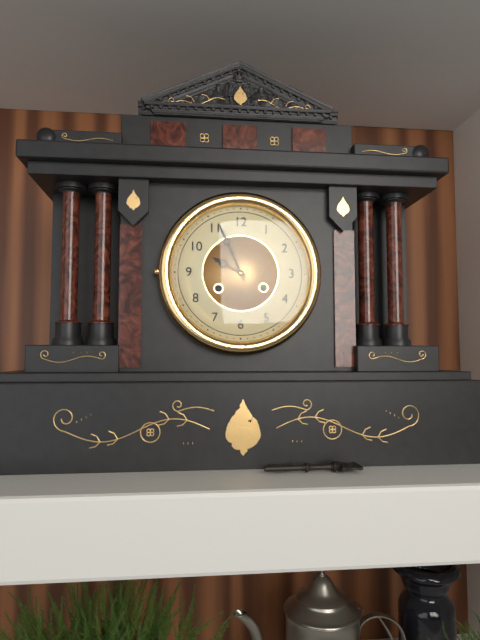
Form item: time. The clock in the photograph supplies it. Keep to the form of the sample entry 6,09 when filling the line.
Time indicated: 9,56
